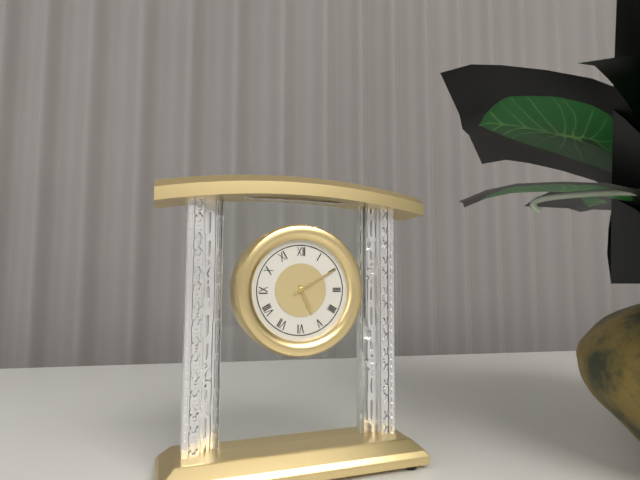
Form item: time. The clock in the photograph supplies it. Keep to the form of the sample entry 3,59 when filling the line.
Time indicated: 5,10
